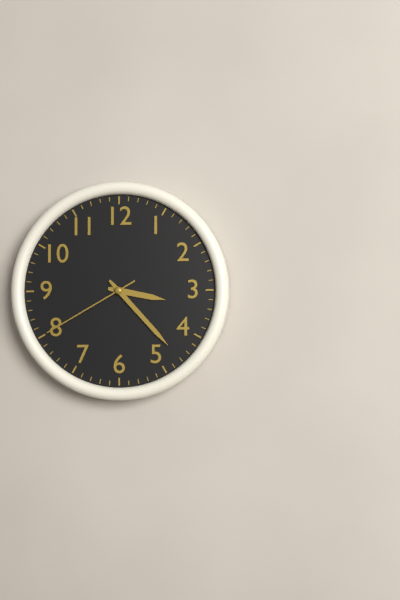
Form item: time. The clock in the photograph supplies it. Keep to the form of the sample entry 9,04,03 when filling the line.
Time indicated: 3,23,40
